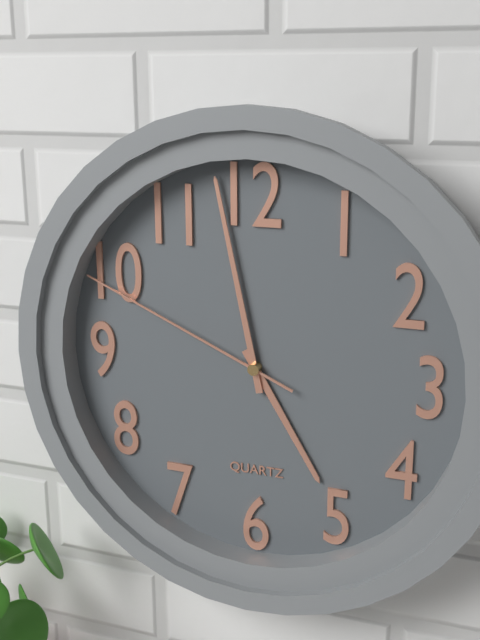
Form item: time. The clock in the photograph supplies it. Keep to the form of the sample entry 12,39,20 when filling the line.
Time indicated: 4,58,49
